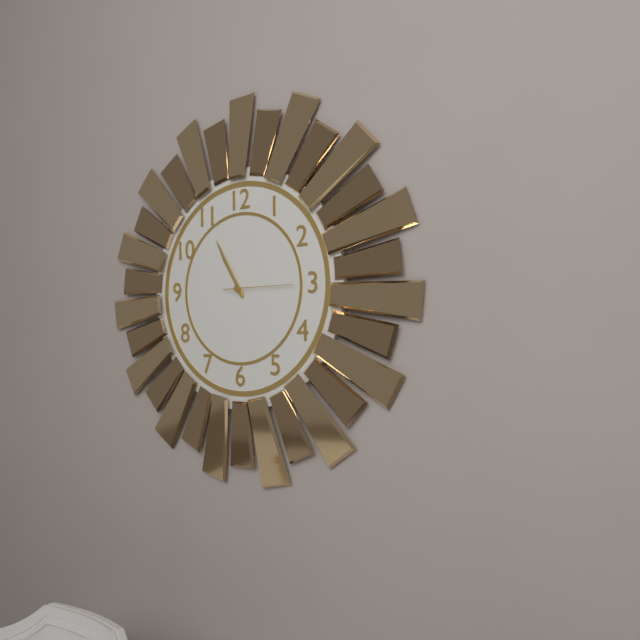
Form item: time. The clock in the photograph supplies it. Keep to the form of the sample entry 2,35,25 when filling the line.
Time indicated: 10,55,15
